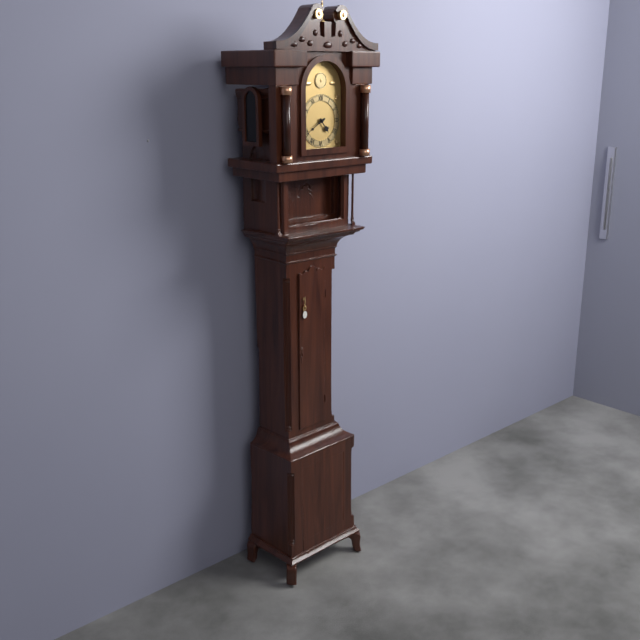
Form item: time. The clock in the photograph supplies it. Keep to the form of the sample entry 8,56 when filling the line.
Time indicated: 4,40
